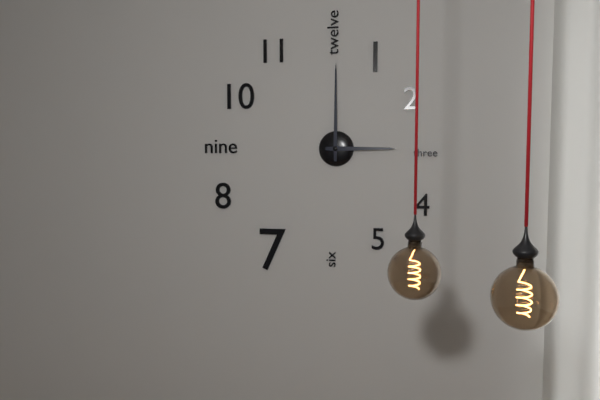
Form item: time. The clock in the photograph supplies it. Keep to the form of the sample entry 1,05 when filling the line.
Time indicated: 3,00
